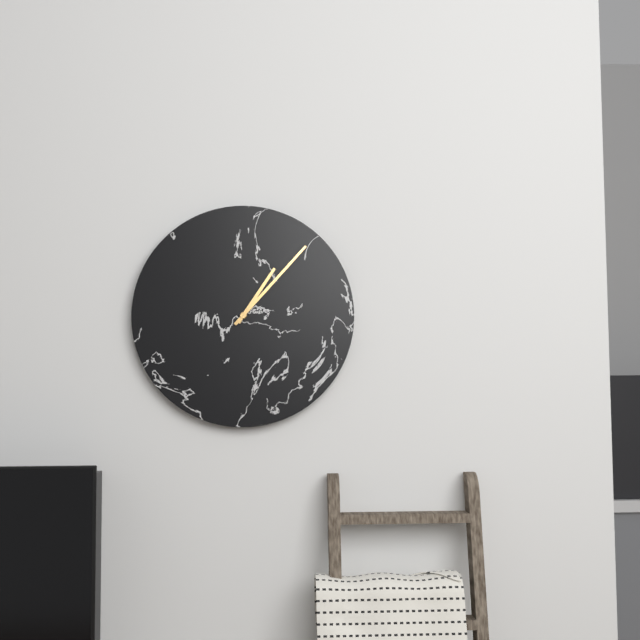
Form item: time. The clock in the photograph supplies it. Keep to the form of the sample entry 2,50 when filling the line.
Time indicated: 1,07
